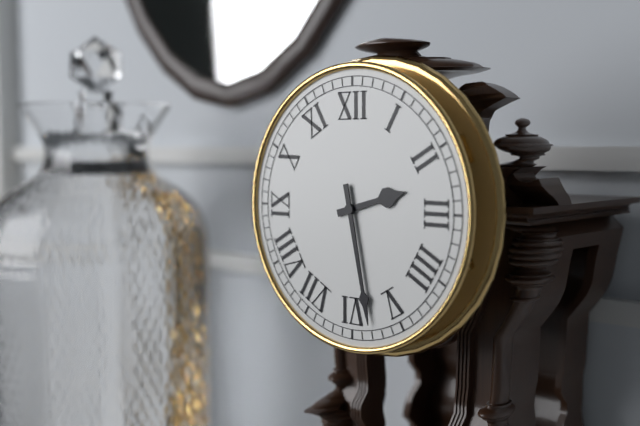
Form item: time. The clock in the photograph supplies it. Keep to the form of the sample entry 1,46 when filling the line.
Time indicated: 2,28
